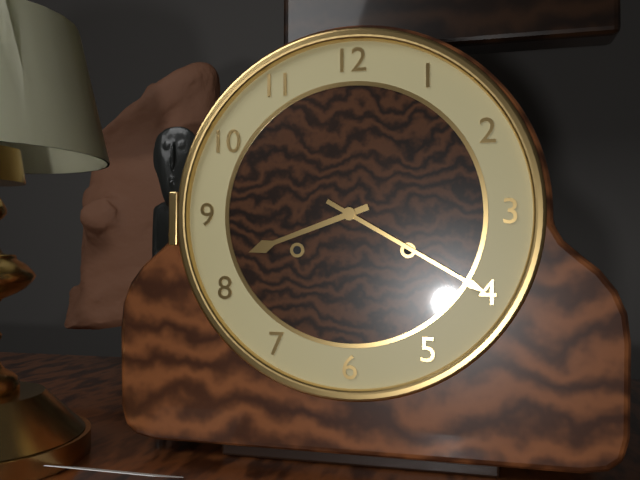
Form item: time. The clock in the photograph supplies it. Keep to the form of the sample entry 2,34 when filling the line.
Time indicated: 8,20
